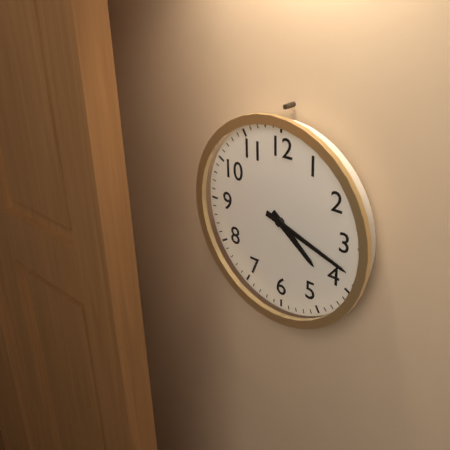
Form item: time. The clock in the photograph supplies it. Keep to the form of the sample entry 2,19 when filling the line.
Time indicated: 4,18
